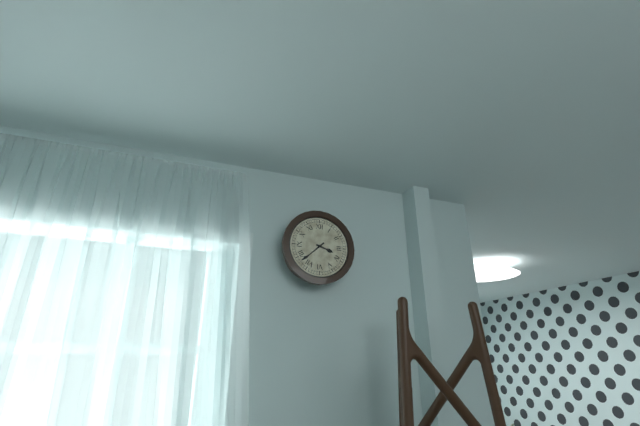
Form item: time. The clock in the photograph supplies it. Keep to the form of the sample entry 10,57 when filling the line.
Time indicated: 3,38
